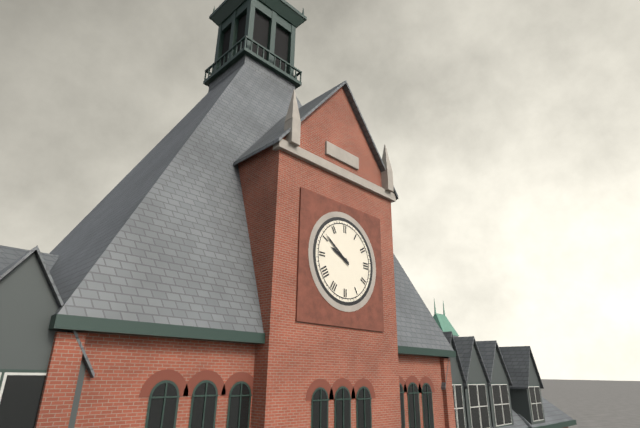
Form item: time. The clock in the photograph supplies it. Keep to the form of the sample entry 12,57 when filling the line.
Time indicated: 9,51
